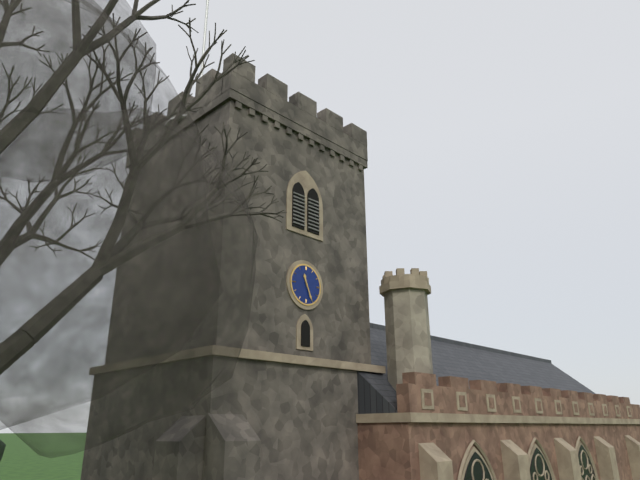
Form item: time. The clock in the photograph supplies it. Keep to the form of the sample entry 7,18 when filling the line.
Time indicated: 11,26
